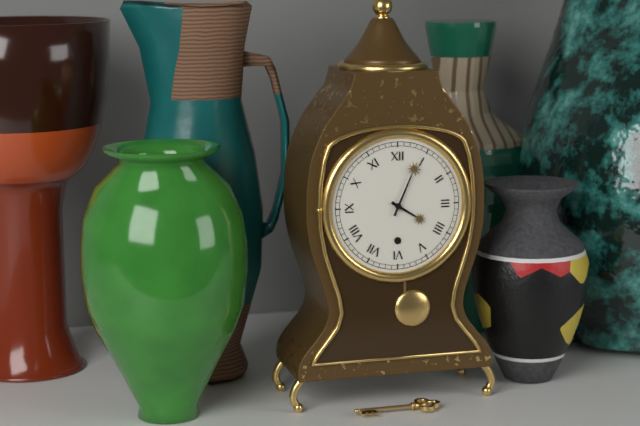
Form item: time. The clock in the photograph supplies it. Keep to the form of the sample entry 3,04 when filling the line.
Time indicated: 4,04
